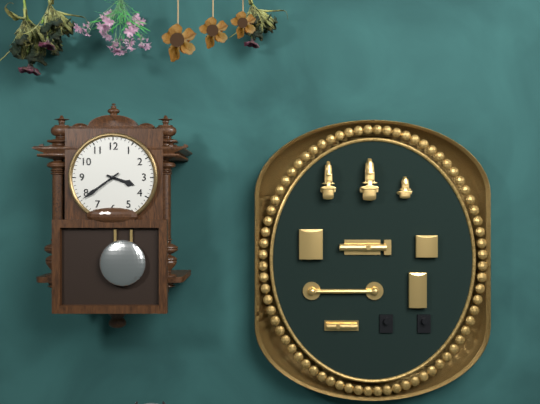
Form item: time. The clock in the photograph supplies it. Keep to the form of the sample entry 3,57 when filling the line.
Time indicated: 3,39
